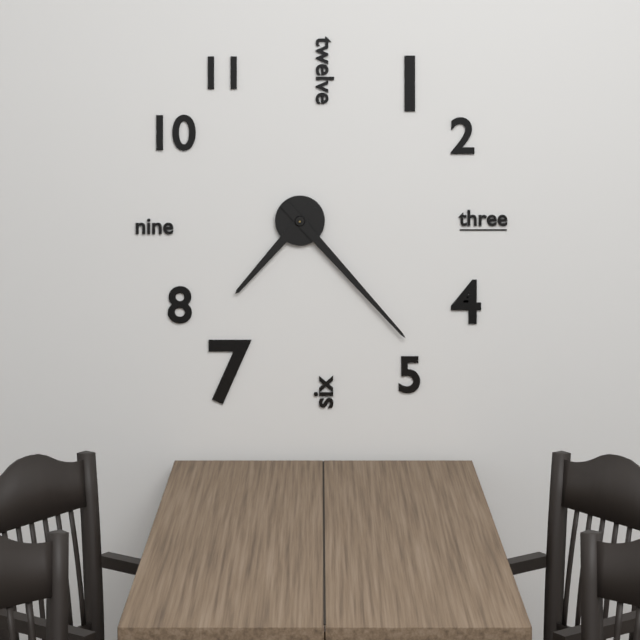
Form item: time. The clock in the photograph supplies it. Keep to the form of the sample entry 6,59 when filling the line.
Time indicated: 7,23
